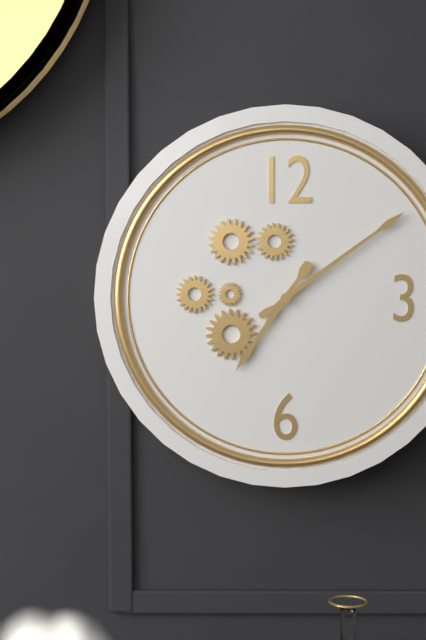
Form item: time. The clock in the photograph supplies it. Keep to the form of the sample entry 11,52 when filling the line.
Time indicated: 7,09
